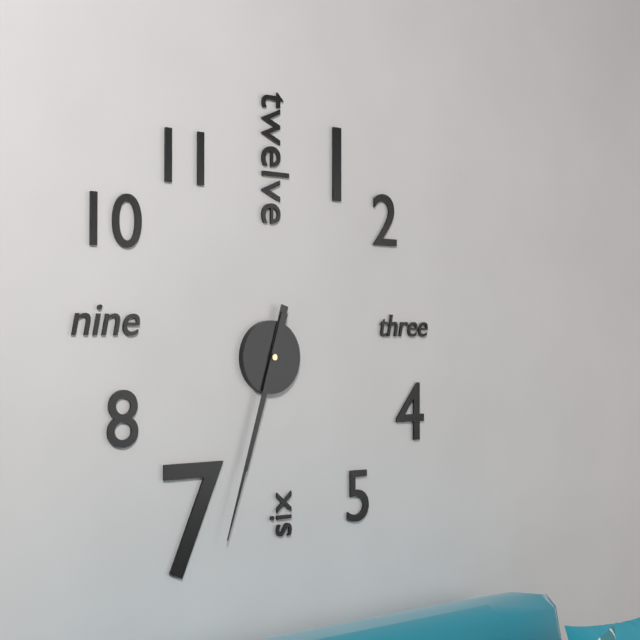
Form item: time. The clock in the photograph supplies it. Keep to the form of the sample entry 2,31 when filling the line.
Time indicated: 6,33
